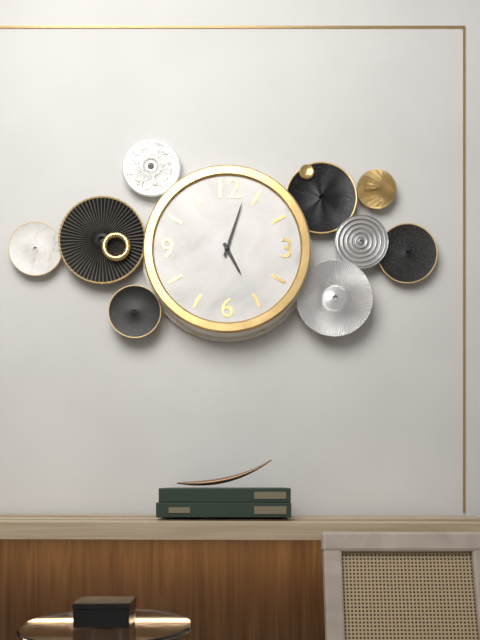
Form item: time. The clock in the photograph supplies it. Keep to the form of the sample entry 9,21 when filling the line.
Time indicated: 5,03
